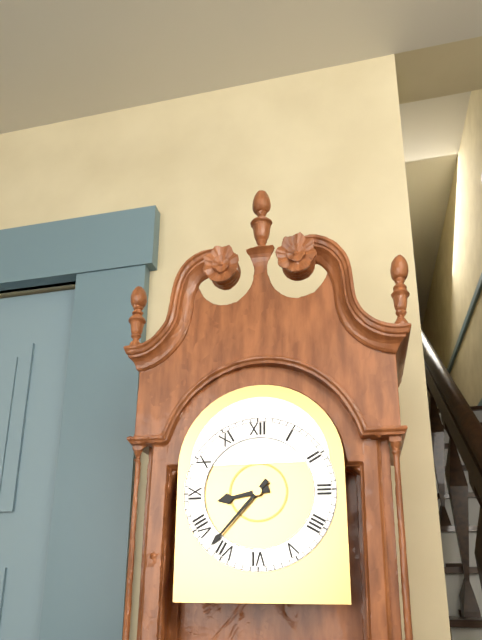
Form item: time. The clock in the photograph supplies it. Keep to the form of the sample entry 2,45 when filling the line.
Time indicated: 8,37
